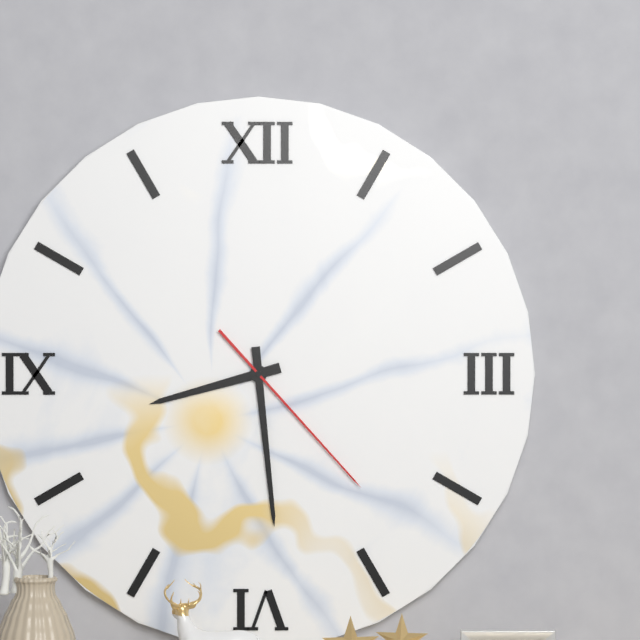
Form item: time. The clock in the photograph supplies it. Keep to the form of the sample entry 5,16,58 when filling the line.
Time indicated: 8,29,23
